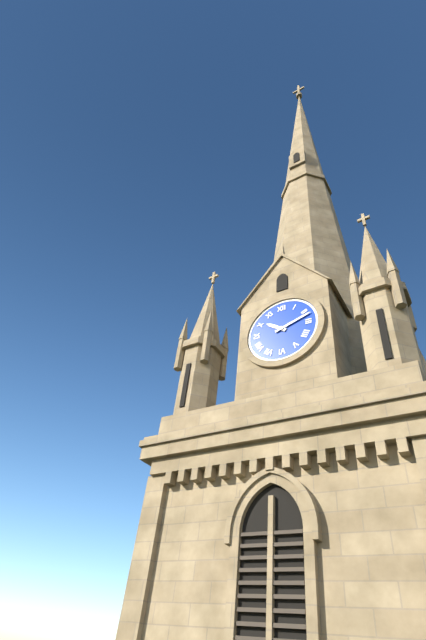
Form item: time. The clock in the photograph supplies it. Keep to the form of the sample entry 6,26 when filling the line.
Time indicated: 10,12
